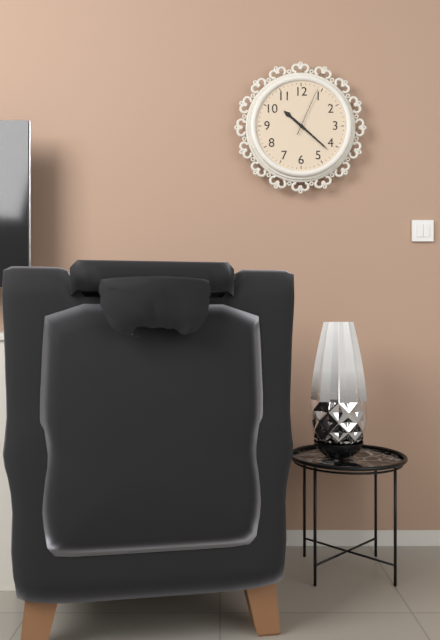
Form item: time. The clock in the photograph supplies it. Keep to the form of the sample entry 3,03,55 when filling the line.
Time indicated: 10,22,04
